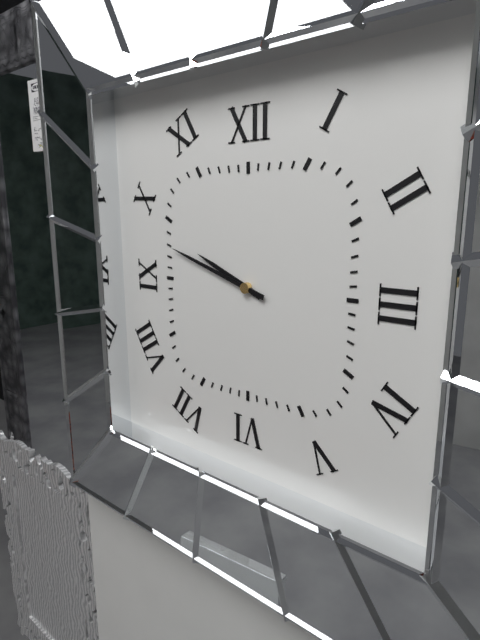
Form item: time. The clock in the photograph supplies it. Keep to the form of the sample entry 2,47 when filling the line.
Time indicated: 9,48
